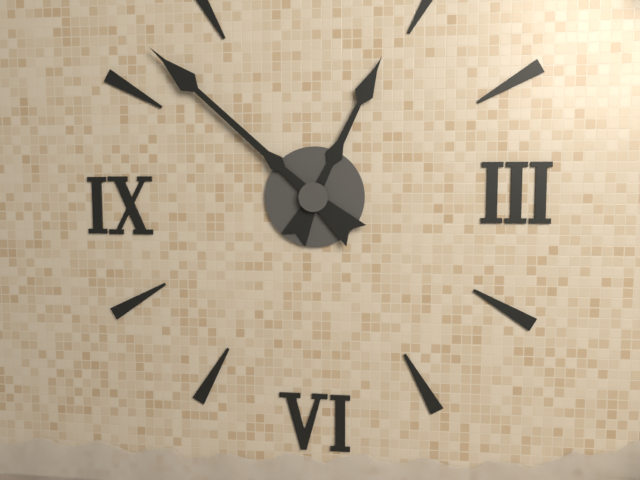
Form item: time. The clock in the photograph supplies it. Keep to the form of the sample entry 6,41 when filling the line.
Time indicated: 12,52
